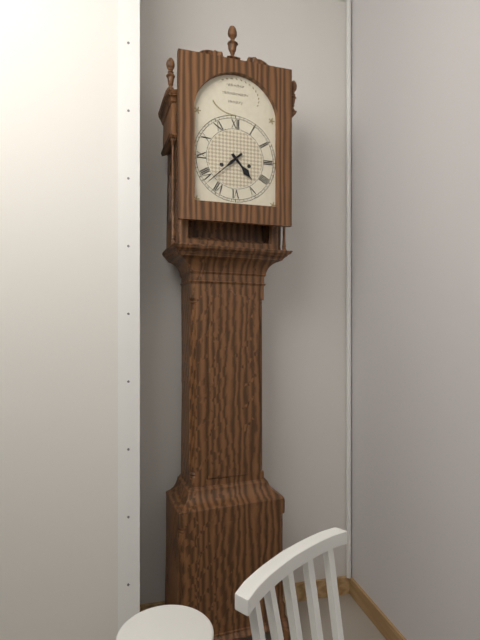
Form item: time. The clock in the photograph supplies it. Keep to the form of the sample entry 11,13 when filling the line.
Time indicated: 4,38
